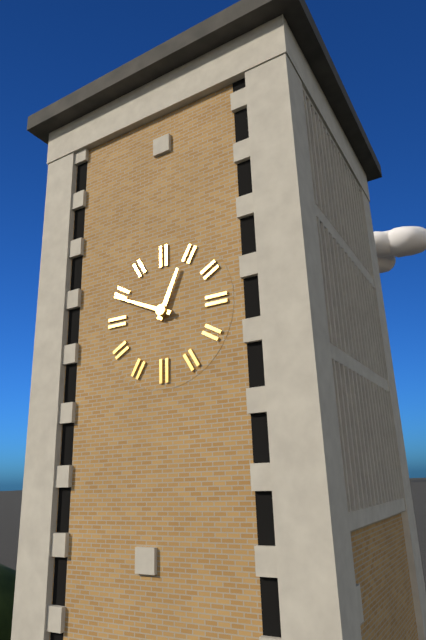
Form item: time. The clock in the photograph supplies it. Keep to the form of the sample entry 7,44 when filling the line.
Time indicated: 12,49
